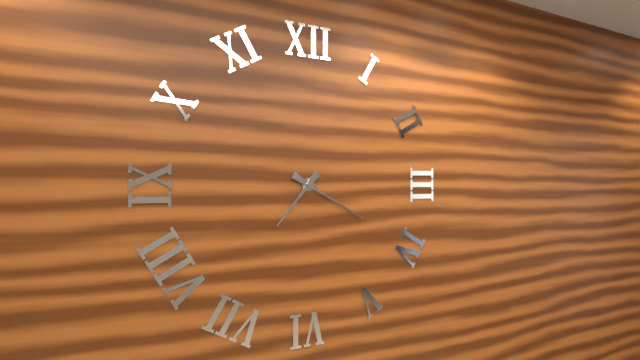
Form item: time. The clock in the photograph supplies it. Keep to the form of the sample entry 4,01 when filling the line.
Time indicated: 7,20
